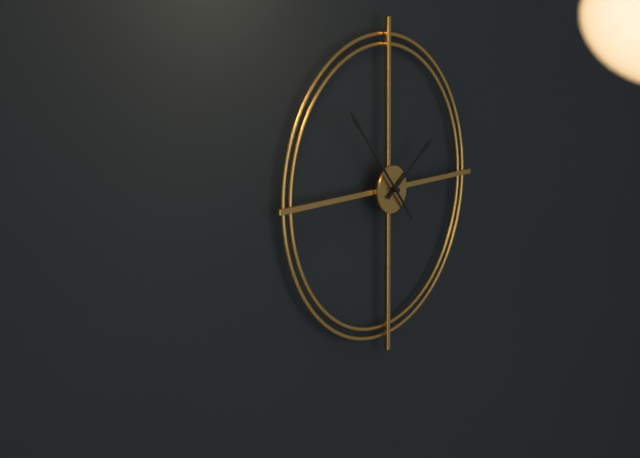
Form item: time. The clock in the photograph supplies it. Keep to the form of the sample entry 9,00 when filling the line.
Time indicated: 1,53
